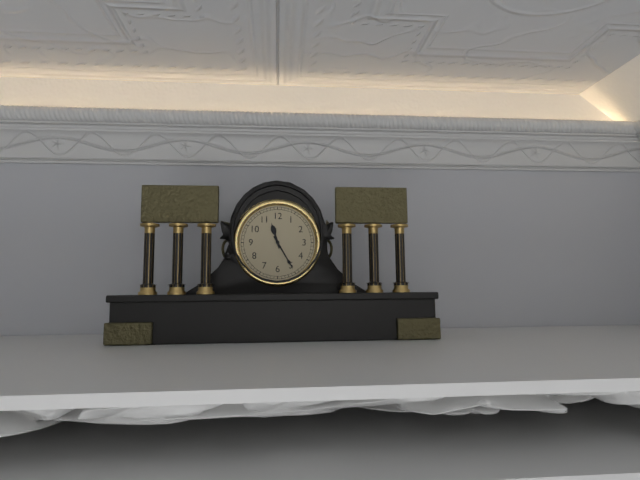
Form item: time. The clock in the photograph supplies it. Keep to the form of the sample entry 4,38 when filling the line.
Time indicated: 11,25
